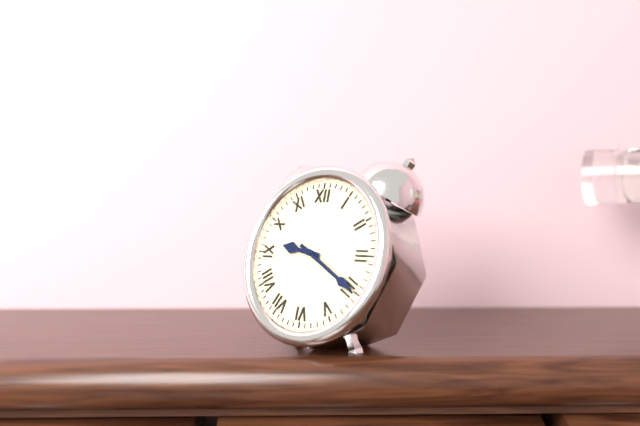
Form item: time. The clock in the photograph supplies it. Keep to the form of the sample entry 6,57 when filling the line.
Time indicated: 9,20
